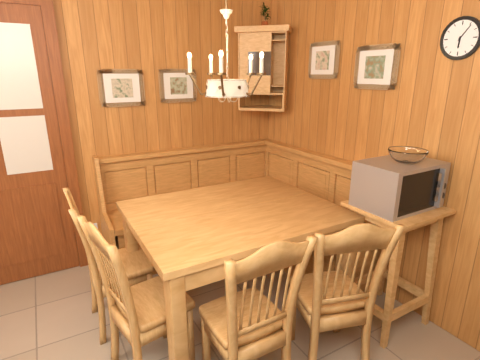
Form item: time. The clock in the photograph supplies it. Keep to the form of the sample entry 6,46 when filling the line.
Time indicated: 6,06
